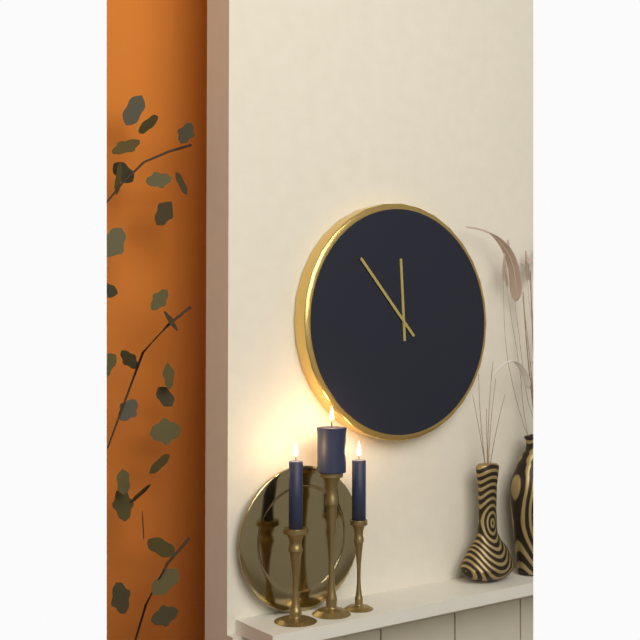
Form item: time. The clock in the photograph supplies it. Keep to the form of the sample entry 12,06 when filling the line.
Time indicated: 11,53
